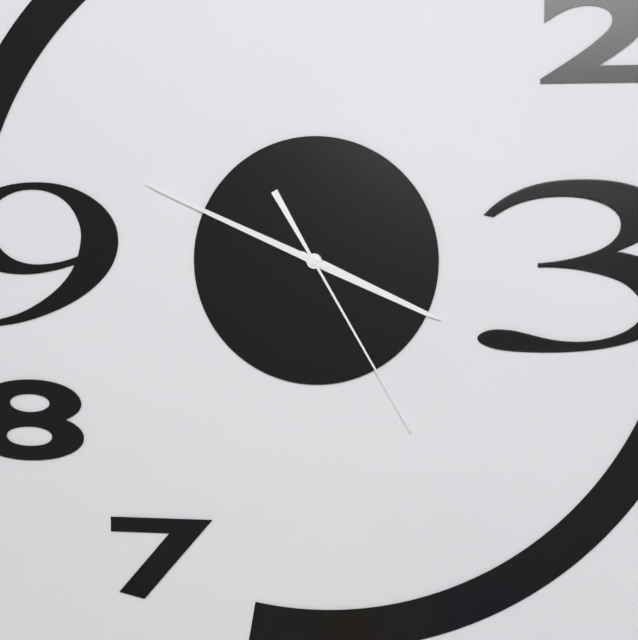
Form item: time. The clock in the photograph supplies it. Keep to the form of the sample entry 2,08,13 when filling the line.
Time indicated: 3,49,25
